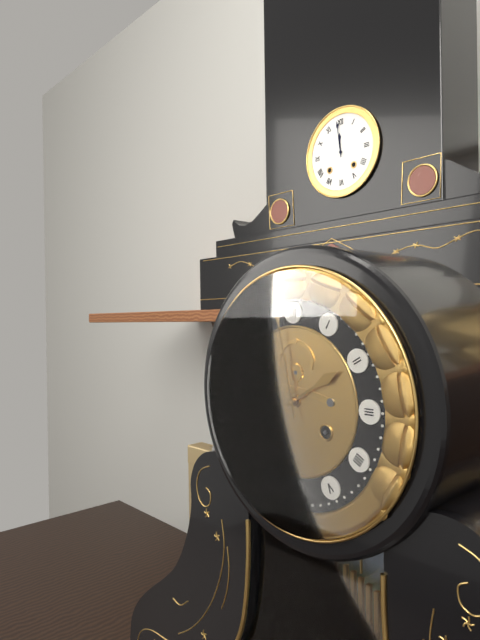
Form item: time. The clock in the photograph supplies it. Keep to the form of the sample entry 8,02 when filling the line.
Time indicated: 1,58
